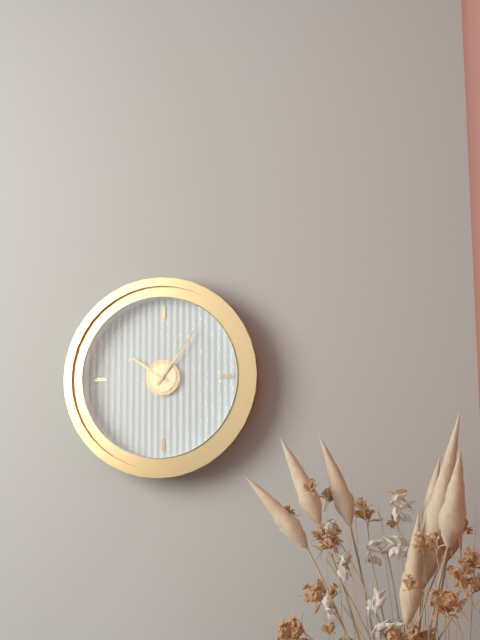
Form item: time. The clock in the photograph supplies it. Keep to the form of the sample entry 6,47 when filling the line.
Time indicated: 10,06
